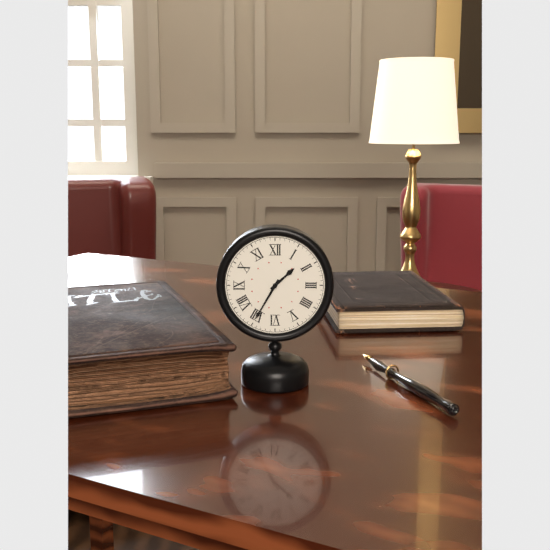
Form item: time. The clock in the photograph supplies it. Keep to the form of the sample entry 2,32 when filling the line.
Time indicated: 1,35
